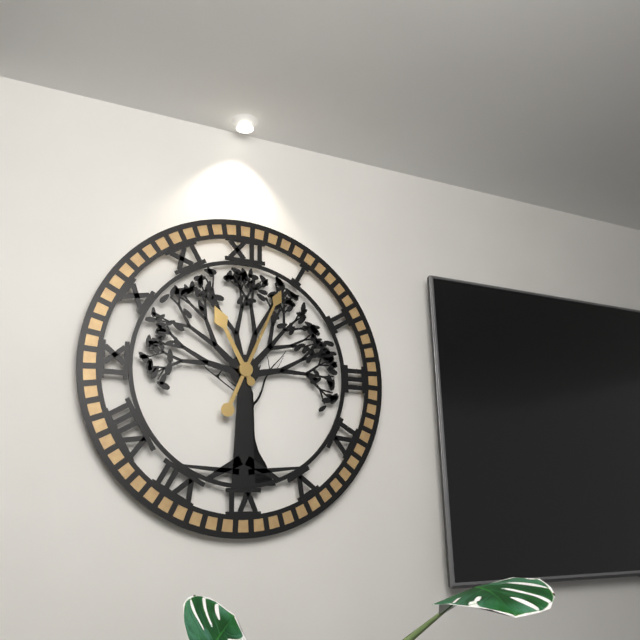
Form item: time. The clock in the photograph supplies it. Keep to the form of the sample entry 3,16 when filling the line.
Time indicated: 11,04
